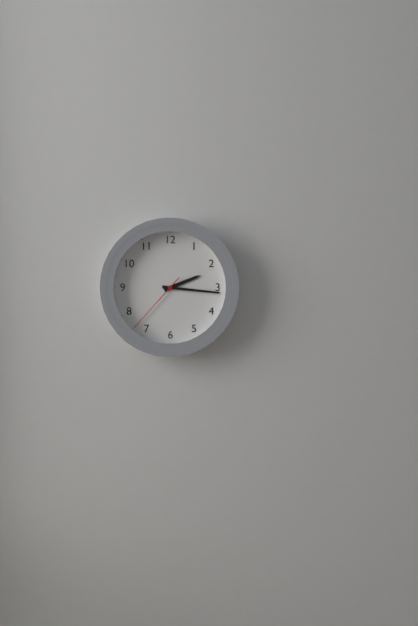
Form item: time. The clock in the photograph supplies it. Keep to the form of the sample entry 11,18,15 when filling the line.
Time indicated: 2,16,37
